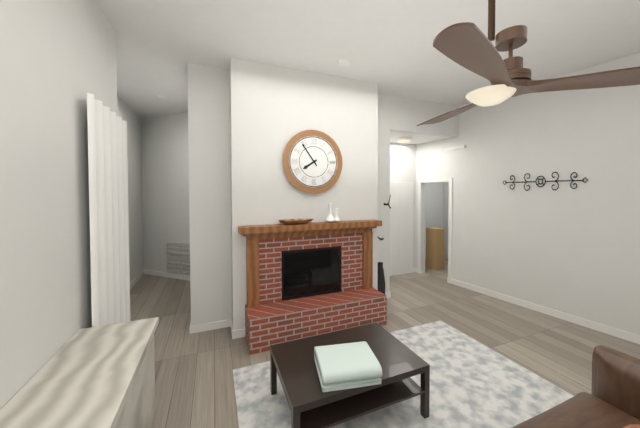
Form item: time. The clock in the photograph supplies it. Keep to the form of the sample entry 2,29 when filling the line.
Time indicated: 7,54
